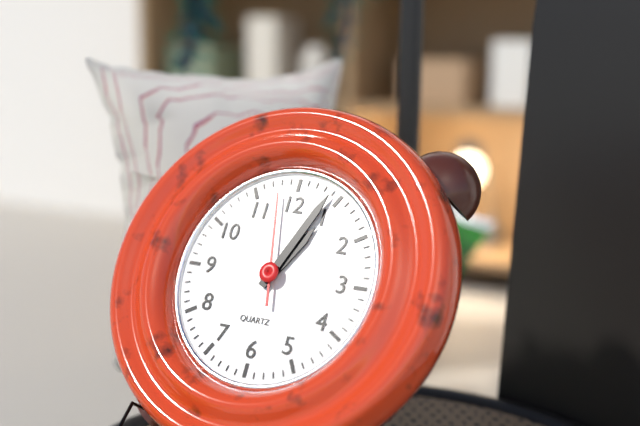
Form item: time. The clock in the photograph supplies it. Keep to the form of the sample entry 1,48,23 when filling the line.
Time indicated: 1,04,58
